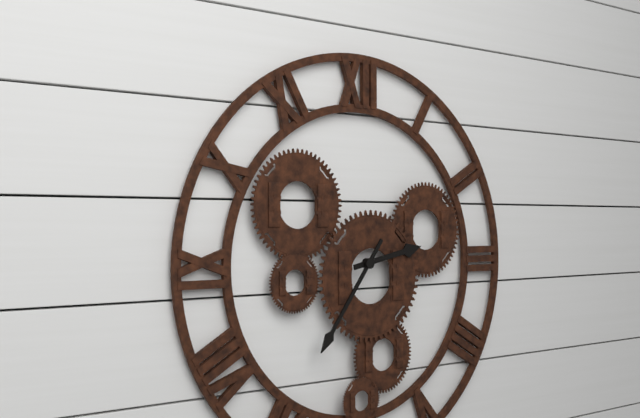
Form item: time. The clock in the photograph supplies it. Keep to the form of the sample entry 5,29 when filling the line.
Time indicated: 2,36
